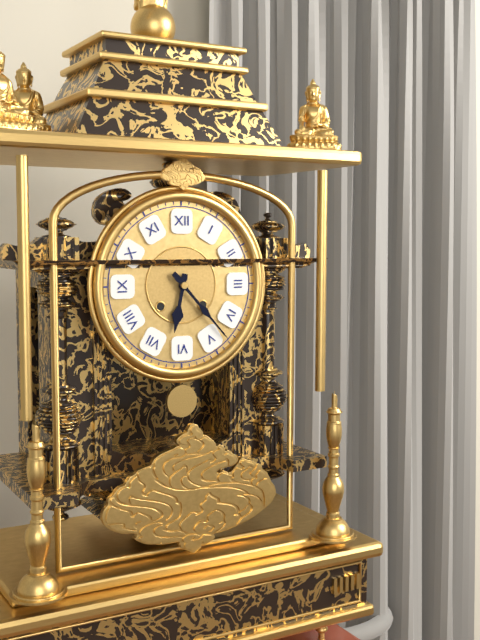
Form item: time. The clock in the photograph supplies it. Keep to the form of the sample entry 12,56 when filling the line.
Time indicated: 6,23
